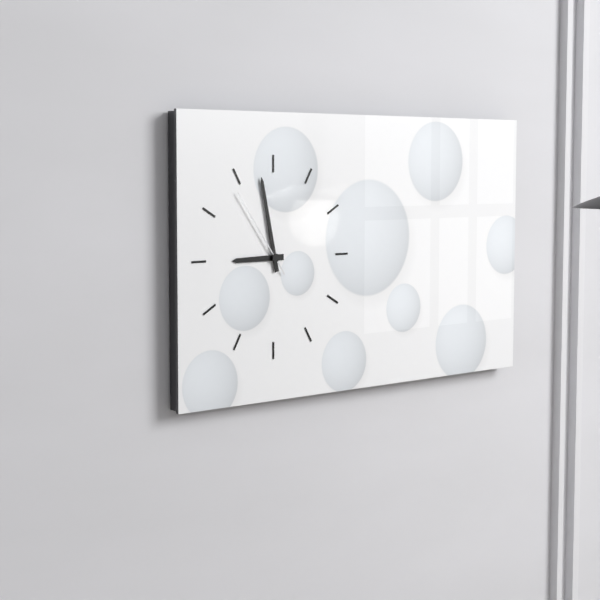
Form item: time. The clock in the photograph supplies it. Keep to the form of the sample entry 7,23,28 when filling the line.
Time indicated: 8,58,54
